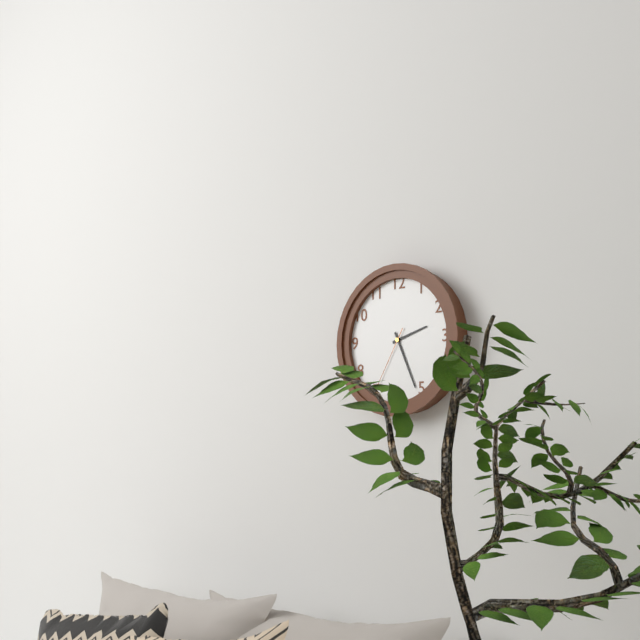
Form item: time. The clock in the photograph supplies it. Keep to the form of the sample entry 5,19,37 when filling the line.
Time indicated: 2,26,35
